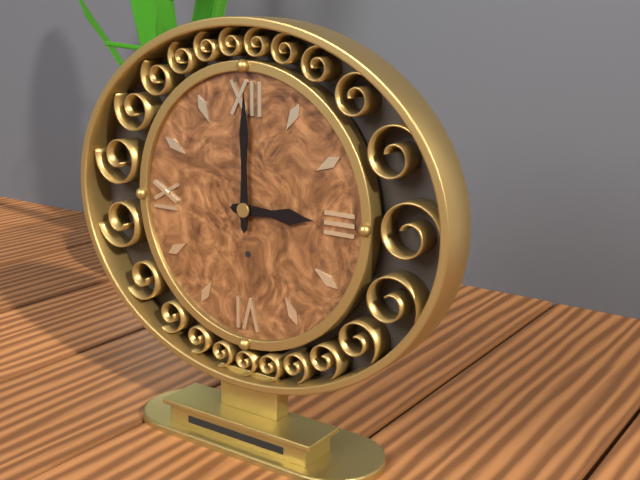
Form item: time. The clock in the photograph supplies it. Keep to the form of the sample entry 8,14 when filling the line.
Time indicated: 3,00
